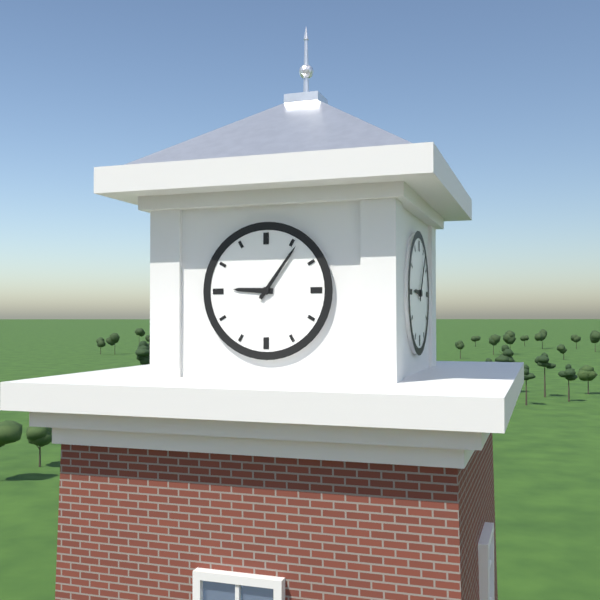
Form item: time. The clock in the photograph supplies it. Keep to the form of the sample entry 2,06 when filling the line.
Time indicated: 9,06
